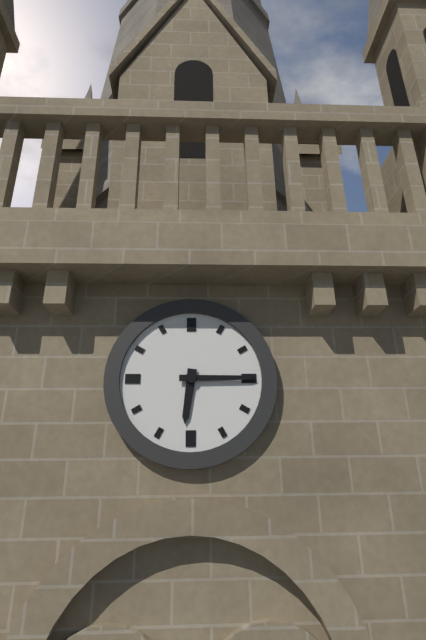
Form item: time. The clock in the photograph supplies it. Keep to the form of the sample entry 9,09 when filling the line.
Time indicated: 6,15
